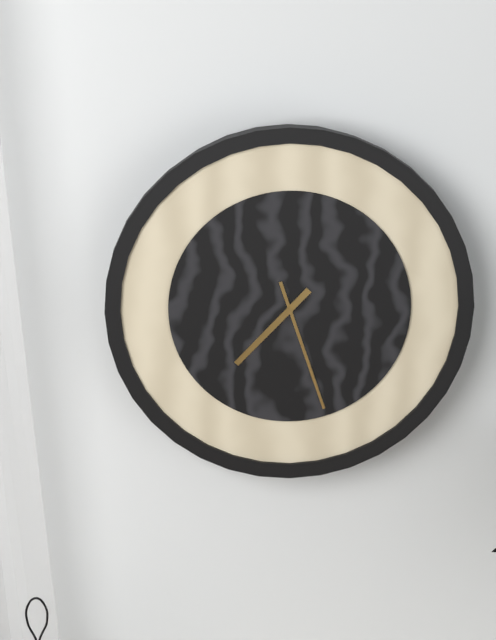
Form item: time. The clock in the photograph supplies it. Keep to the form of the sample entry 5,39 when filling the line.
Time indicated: 7,27
